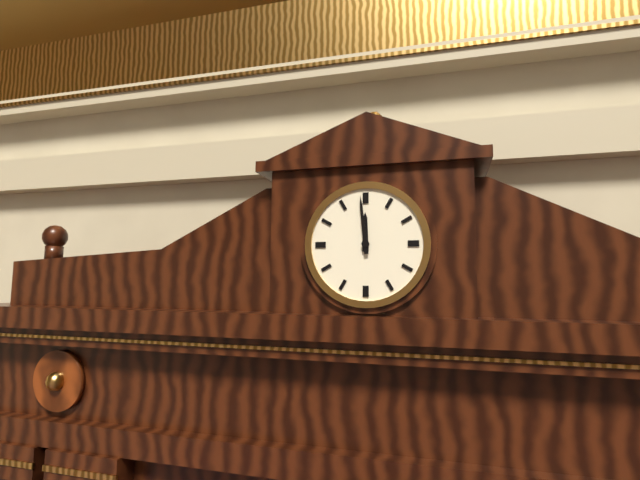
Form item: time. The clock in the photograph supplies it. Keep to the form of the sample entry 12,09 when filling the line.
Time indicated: 11,59
